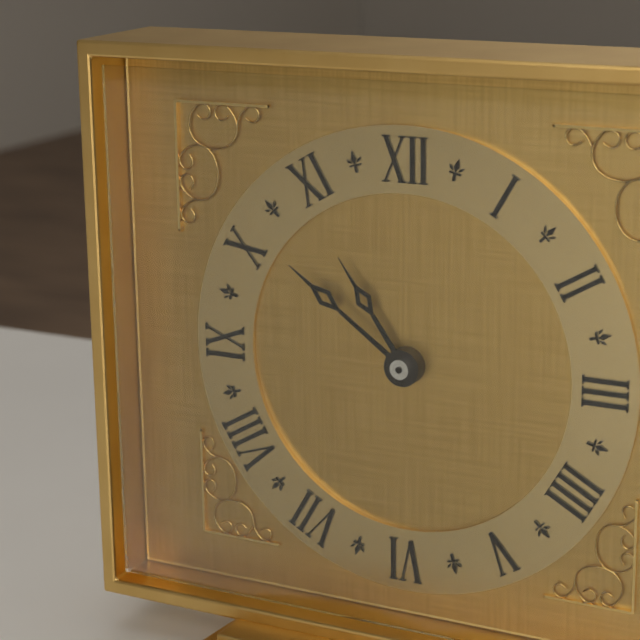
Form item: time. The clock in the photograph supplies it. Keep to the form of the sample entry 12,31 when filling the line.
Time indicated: 10,51
